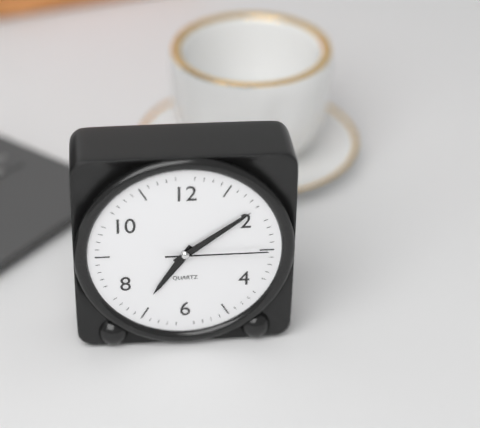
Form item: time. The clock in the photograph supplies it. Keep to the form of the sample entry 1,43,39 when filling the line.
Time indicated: 7,09,15
